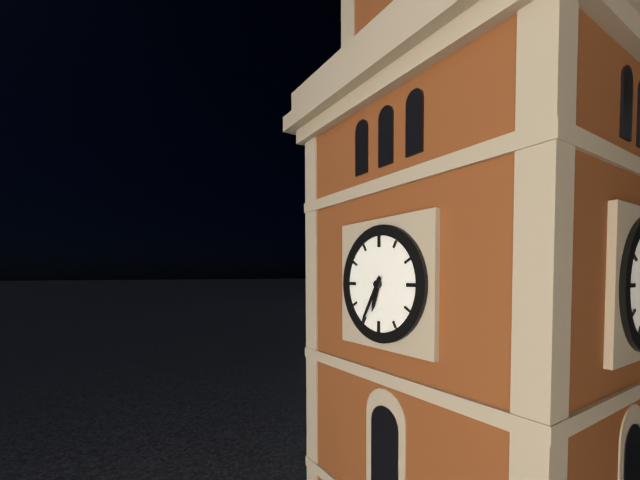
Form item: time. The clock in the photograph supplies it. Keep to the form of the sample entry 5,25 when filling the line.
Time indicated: 6,35
